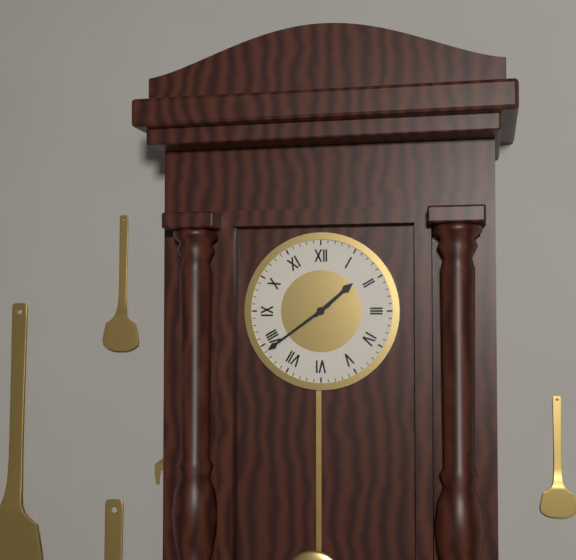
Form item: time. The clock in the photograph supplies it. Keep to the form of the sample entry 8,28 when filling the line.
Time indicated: 1,39
